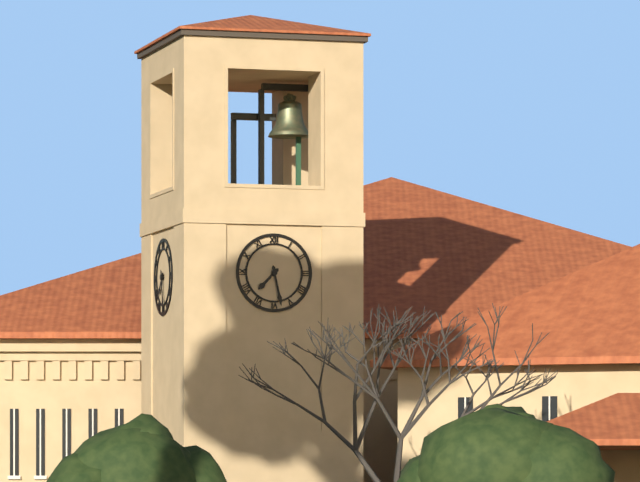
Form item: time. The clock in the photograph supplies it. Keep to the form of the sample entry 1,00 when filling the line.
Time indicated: 7,28
